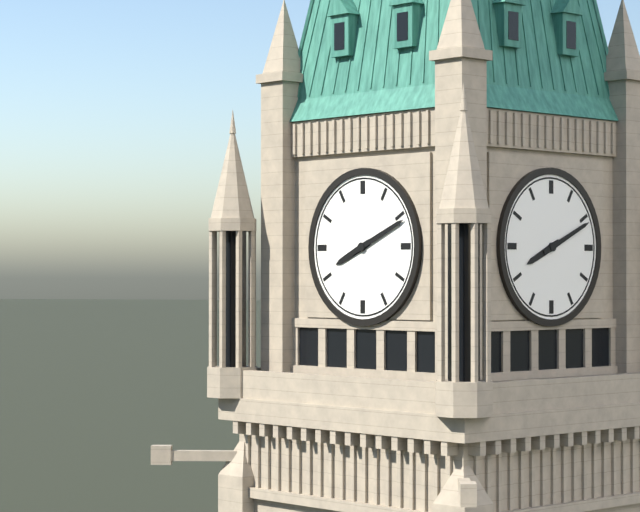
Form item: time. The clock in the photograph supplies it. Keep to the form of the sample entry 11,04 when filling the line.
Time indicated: 8,11
